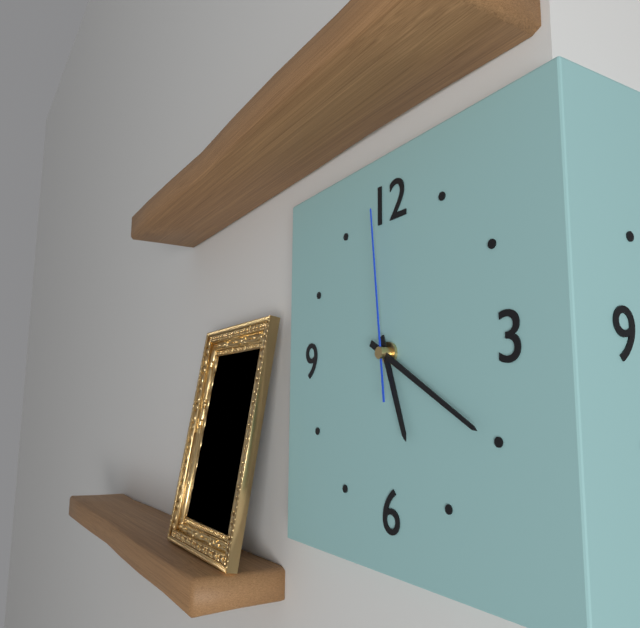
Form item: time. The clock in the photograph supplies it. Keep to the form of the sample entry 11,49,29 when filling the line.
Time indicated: 5,20,59
